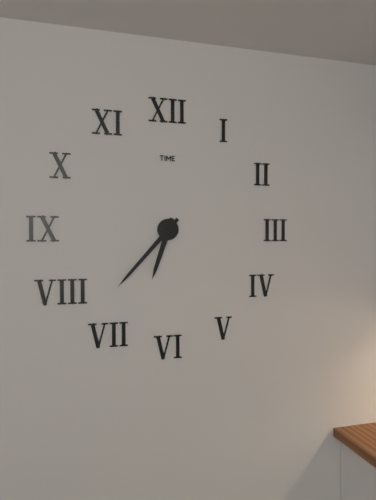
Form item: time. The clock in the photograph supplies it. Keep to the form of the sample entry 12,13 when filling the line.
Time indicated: 6,37
